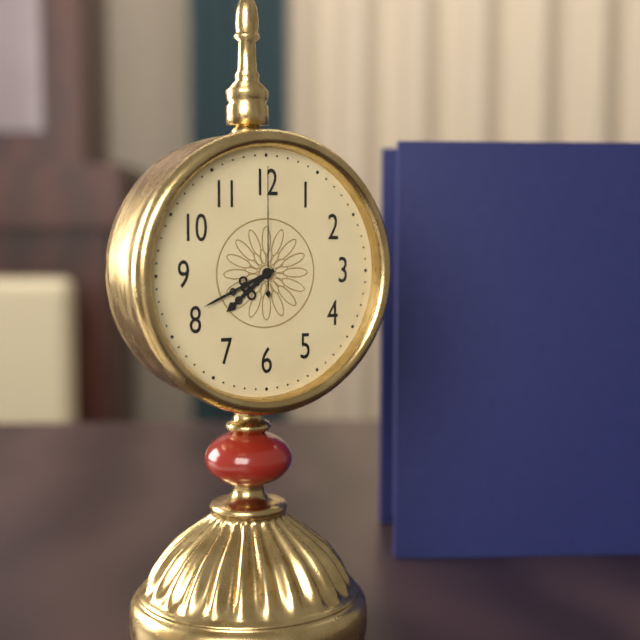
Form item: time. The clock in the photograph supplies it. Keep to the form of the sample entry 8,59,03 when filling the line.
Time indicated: 7,41,00
